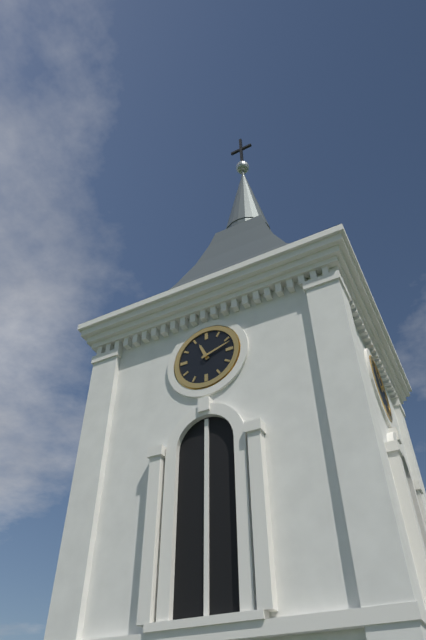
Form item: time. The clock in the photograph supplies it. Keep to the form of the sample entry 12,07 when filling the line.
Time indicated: 11,12
